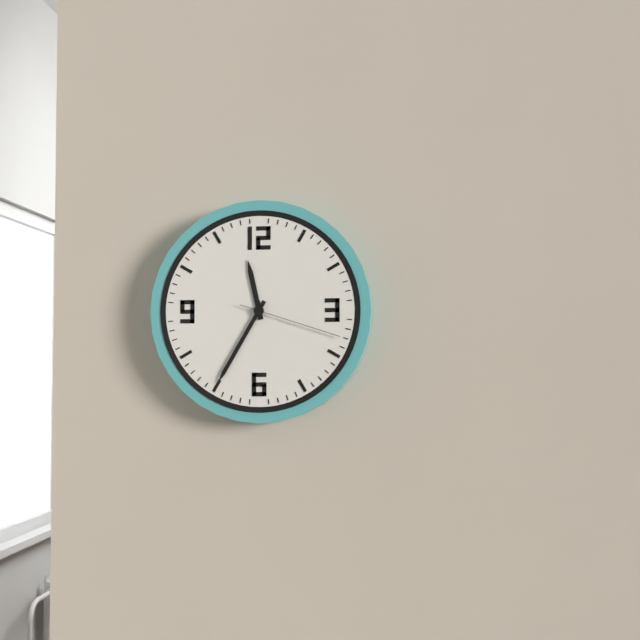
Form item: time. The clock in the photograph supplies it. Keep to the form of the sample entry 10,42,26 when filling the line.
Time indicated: 11,35,18
